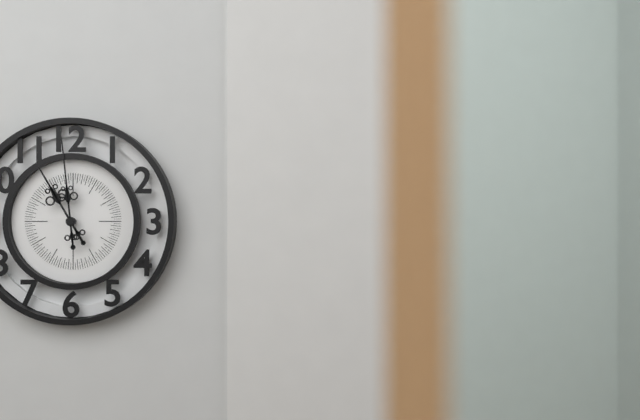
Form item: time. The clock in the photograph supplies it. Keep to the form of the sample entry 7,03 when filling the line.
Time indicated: 10,59
